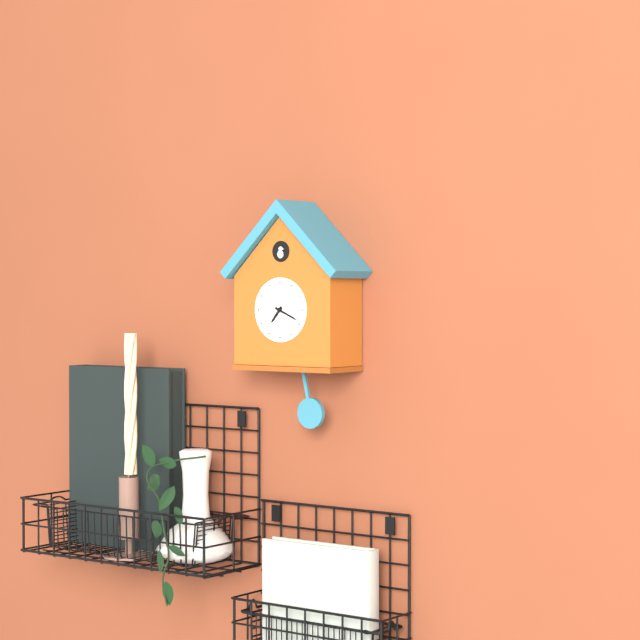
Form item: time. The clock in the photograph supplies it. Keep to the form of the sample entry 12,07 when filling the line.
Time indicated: 7,19
